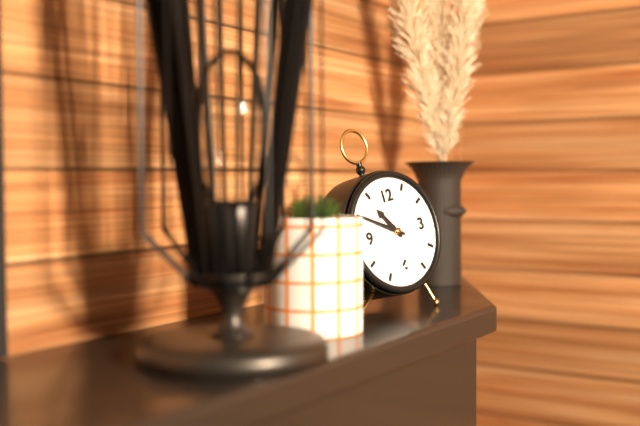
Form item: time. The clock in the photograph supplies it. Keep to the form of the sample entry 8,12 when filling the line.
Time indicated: 10,50
